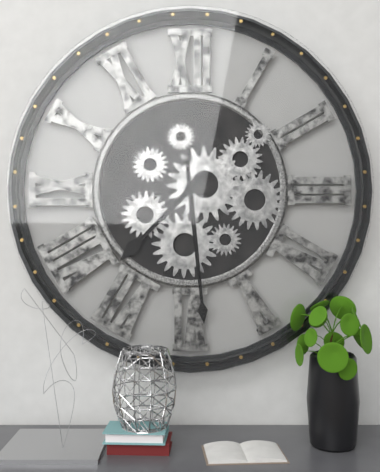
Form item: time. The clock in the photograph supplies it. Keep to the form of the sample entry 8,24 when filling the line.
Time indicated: 7,29
